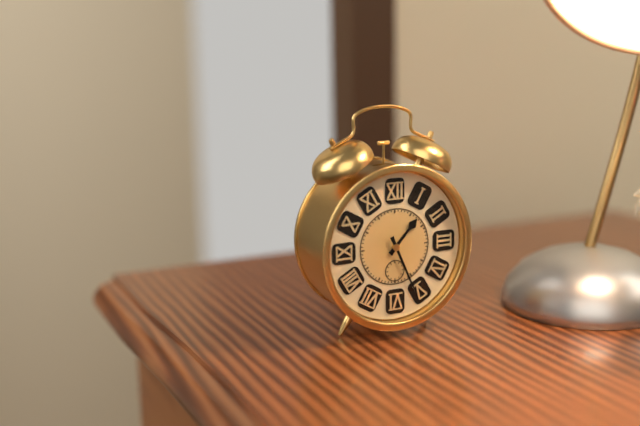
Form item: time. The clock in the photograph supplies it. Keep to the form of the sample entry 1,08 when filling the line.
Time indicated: 1,26
